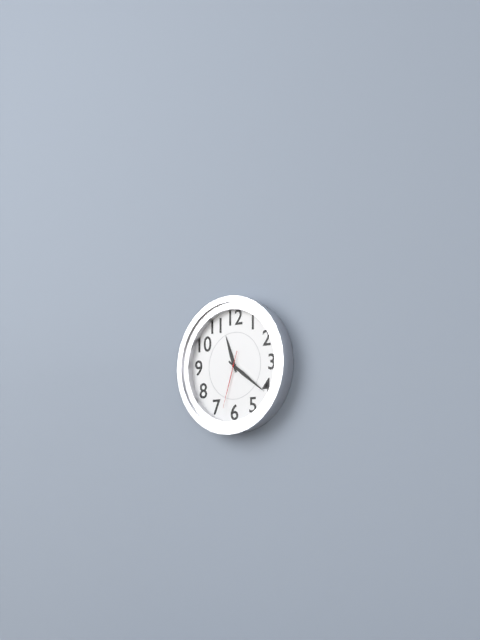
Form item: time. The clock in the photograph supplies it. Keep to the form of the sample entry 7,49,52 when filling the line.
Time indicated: 11,21,33
